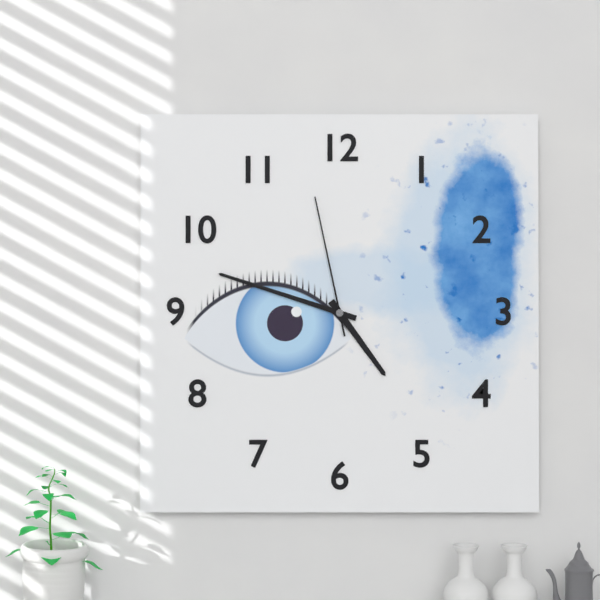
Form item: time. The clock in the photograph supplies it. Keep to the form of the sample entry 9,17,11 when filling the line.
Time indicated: 4,48,58
